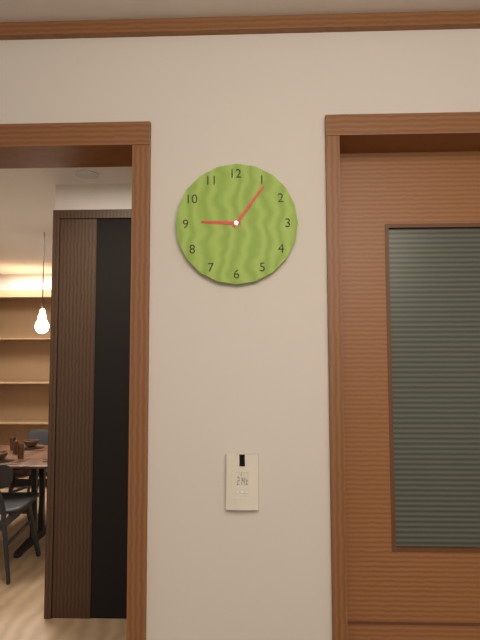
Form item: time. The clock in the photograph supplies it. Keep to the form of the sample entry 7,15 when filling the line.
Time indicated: 9,06
